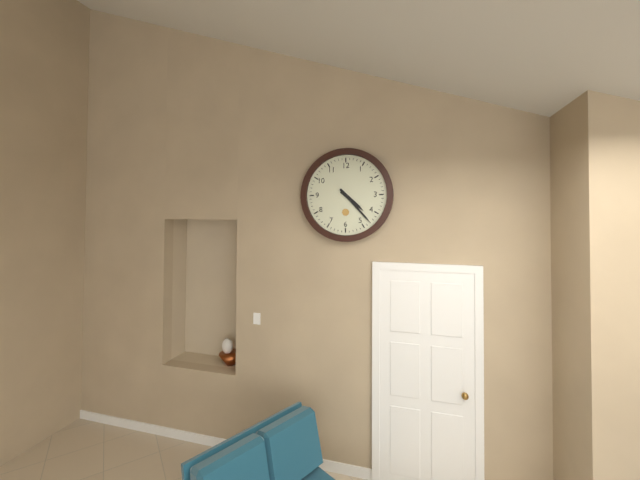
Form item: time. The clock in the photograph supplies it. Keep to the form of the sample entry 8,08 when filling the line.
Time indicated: 4,23
